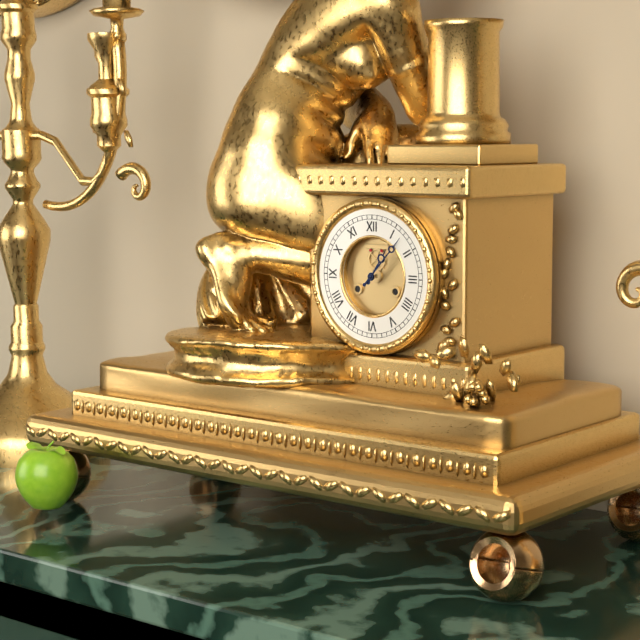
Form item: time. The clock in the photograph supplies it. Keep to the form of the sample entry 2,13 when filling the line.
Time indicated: 1,07
